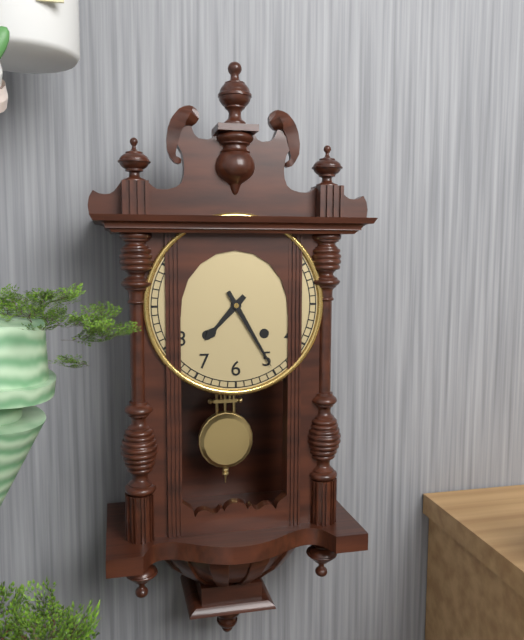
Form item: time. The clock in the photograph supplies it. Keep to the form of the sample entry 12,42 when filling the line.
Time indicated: 7,25
